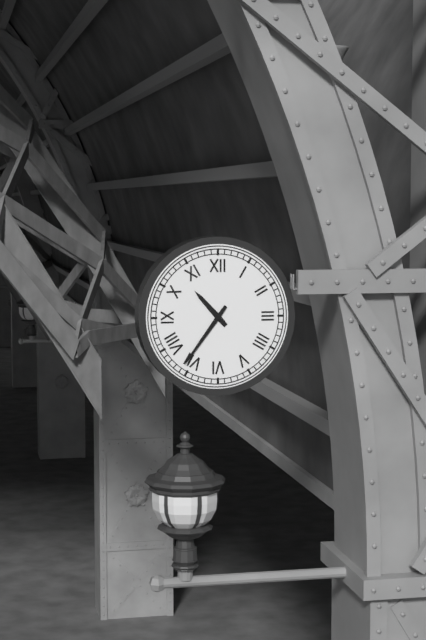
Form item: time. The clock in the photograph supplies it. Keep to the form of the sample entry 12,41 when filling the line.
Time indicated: 10,36
